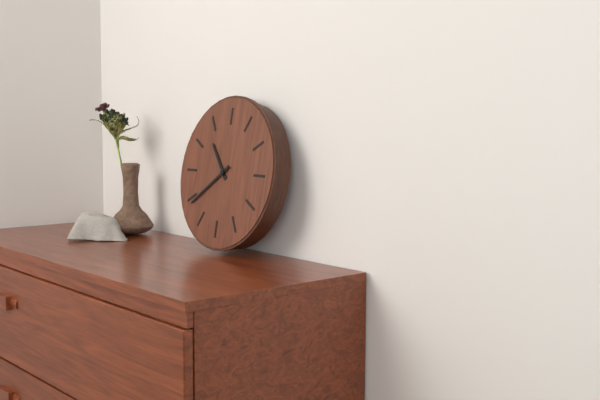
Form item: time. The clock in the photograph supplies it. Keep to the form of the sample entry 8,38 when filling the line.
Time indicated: 10,39
